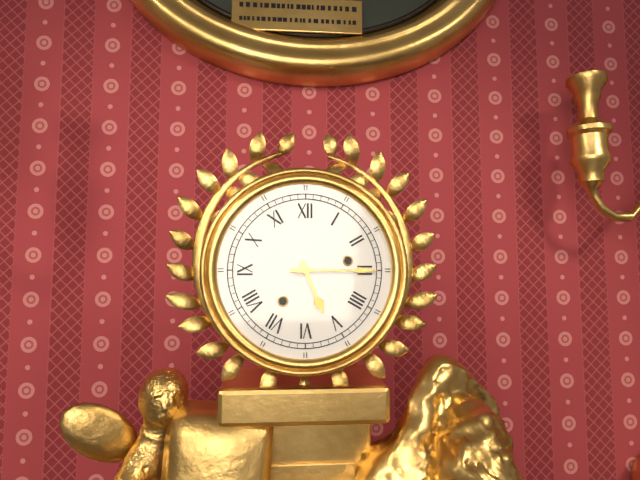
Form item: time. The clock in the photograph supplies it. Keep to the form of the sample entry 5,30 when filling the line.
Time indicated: 5,15
